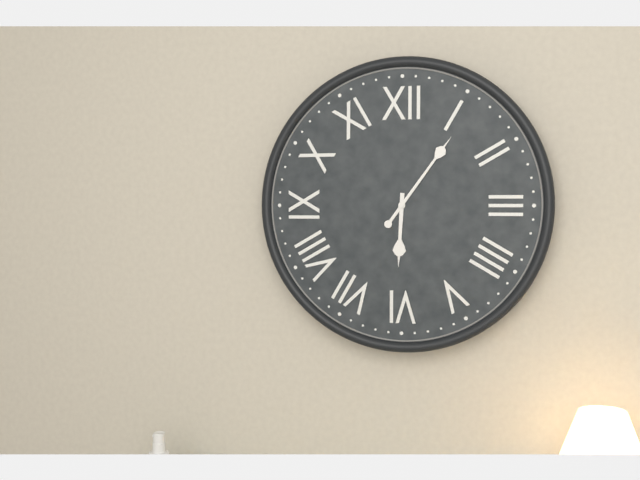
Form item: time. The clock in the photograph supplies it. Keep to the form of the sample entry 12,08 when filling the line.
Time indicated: 6,06
